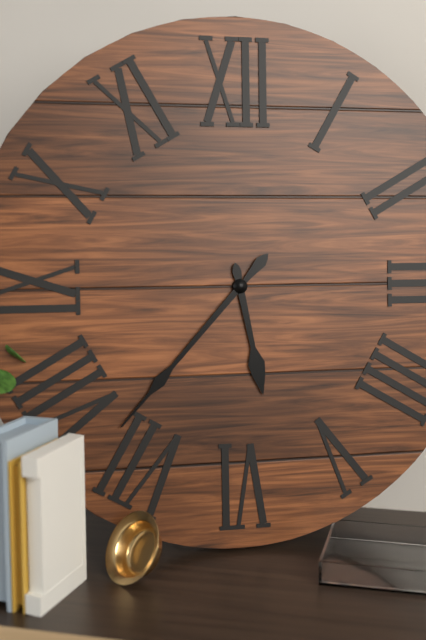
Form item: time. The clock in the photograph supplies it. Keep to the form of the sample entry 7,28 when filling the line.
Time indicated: 5,37
